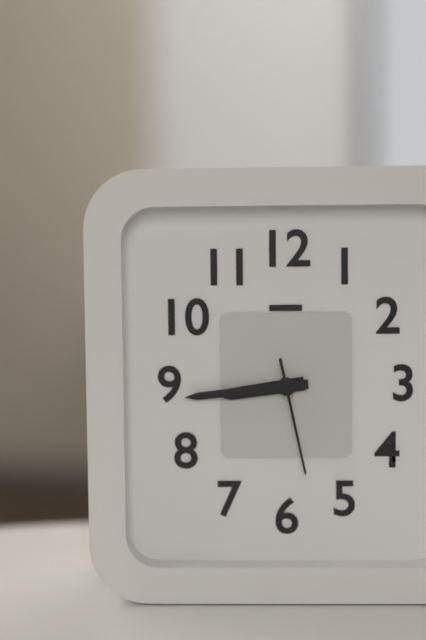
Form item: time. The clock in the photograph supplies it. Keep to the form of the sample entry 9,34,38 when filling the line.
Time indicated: 8,44,28
